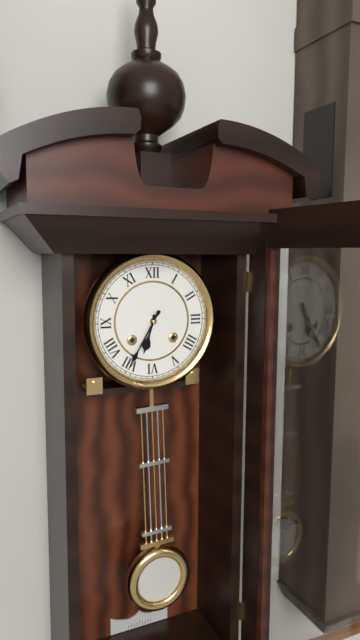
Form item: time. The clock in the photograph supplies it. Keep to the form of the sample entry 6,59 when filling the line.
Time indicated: 6,35
